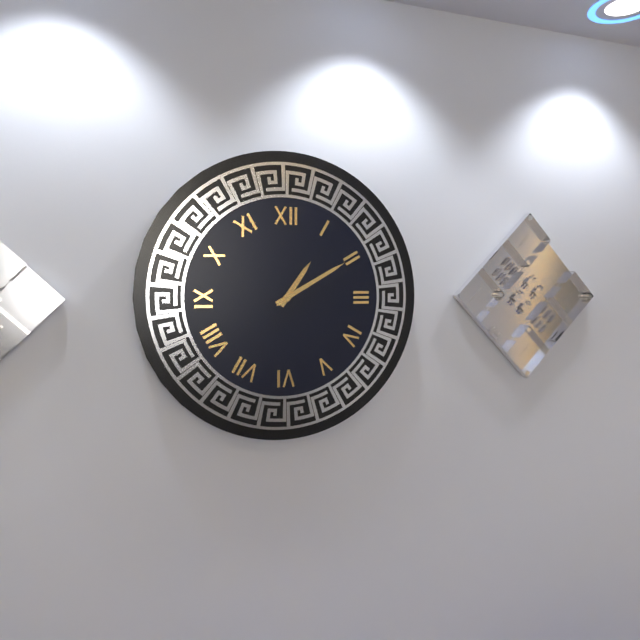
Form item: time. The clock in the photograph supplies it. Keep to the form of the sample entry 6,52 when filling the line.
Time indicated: 1,10
